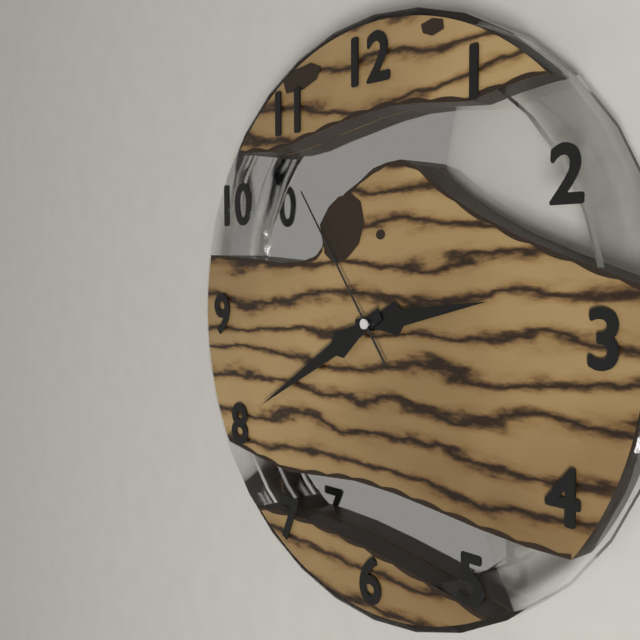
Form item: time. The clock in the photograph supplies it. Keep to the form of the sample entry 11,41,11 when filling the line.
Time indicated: 2,40,54
